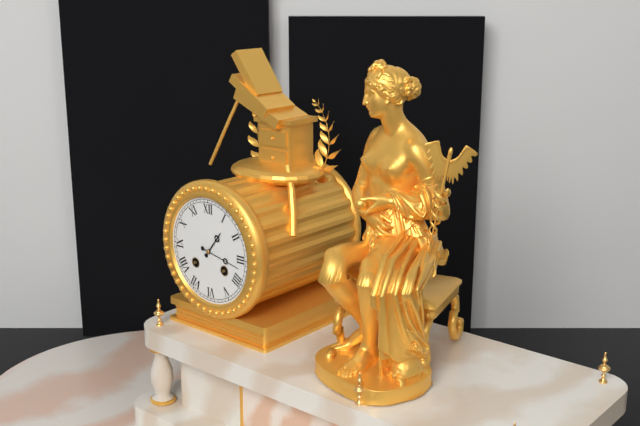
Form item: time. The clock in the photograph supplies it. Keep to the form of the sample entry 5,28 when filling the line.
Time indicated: 1,17
